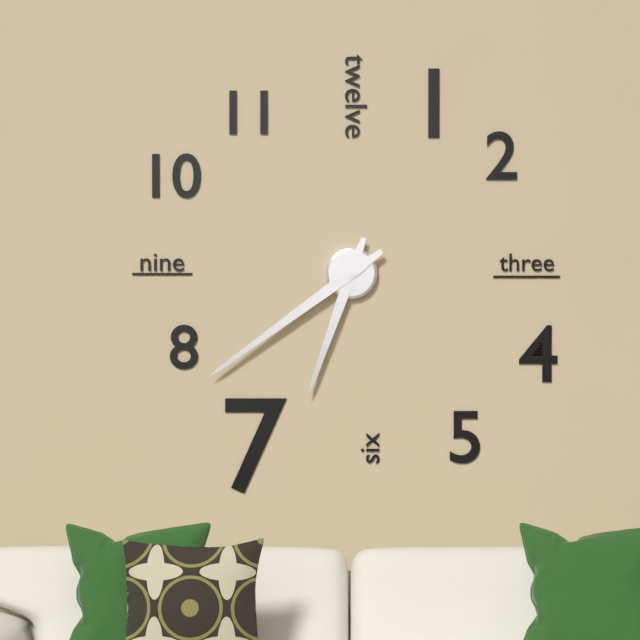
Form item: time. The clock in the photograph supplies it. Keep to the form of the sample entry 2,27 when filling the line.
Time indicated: 6,39
